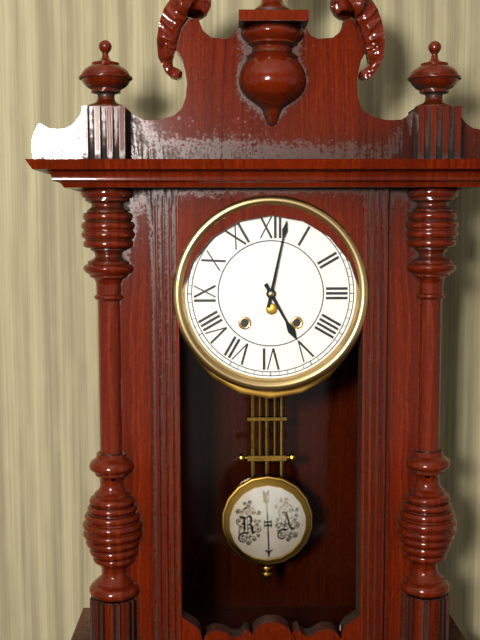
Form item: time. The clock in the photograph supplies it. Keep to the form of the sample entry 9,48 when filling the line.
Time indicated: 5,02
